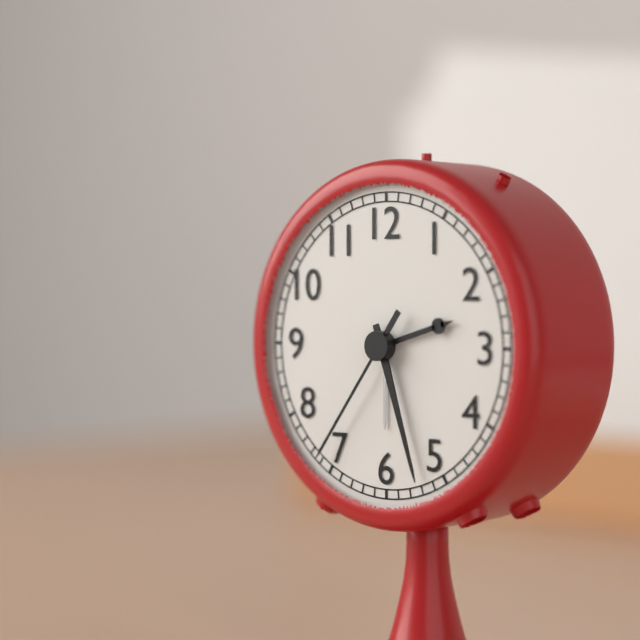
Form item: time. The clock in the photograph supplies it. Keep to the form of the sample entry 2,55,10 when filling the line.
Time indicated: 2,27,36
